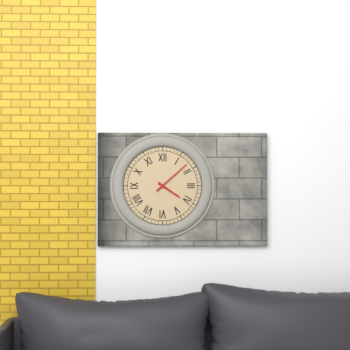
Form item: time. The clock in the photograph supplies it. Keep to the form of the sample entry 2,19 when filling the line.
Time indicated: 4,08
